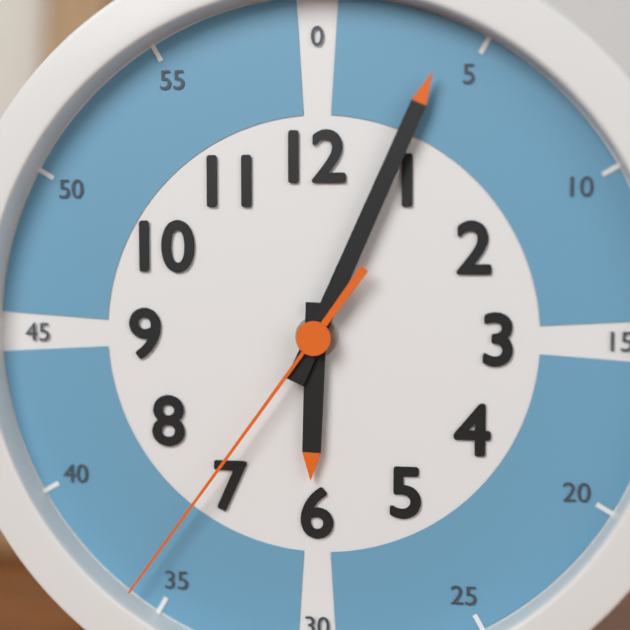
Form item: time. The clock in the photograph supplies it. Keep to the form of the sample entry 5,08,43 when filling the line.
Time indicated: 6,04,36
